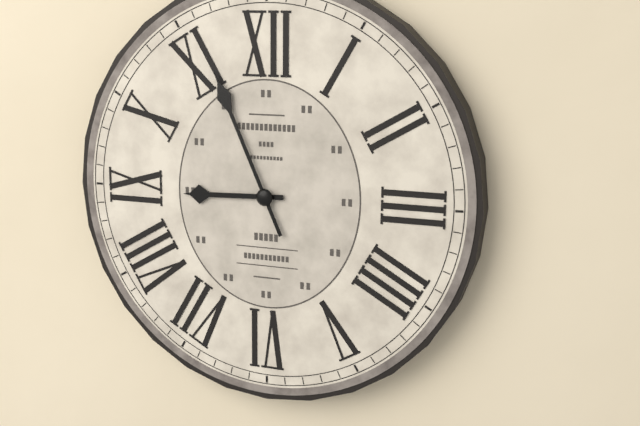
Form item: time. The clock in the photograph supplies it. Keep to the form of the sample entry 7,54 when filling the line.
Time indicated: 8,56
